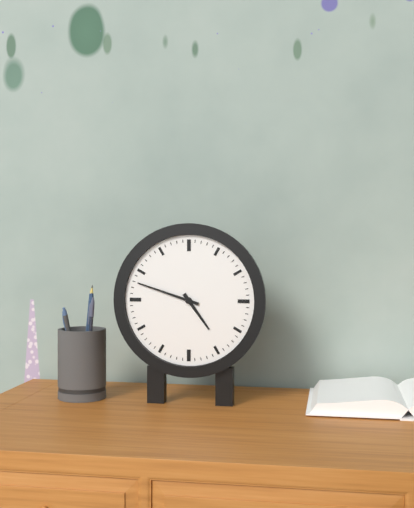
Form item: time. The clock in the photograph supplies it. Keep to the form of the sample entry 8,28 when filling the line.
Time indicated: 4,48
